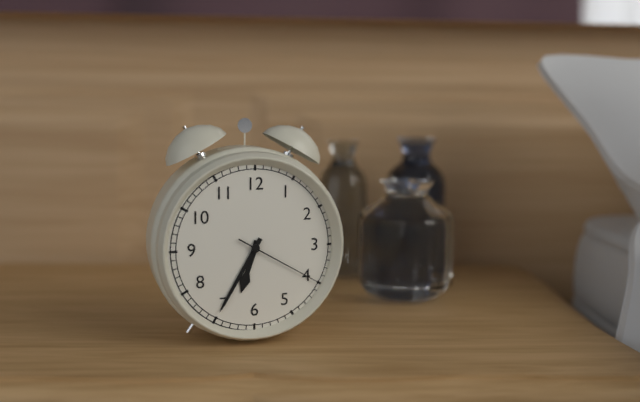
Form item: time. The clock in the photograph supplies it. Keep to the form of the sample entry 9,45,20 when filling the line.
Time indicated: 6,35,20
